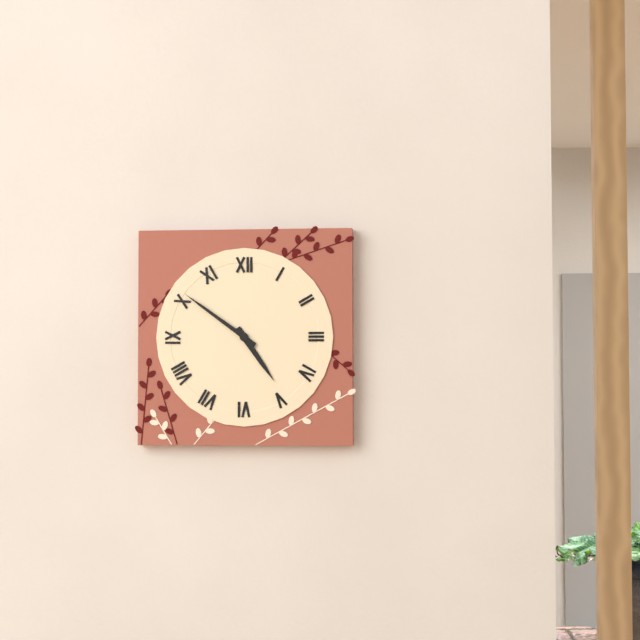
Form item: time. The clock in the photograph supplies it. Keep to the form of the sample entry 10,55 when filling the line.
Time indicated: 4,51
